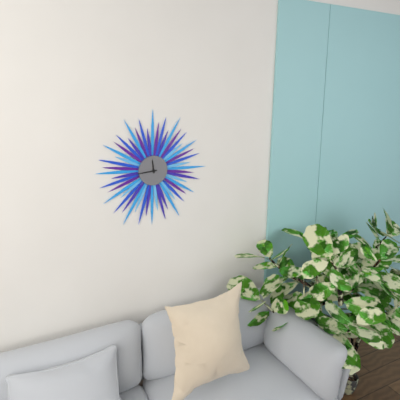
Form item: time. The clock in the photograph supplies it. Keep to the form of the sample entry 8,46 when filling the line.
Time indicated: 11,44
